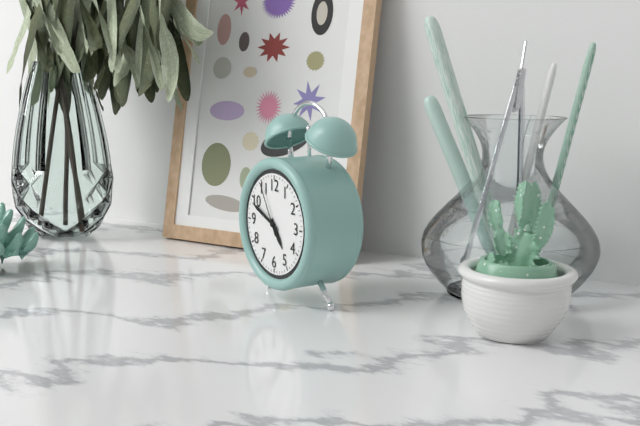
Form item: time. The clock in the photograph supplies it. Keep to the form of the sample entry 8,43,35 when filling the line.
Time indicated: 4,49,55
